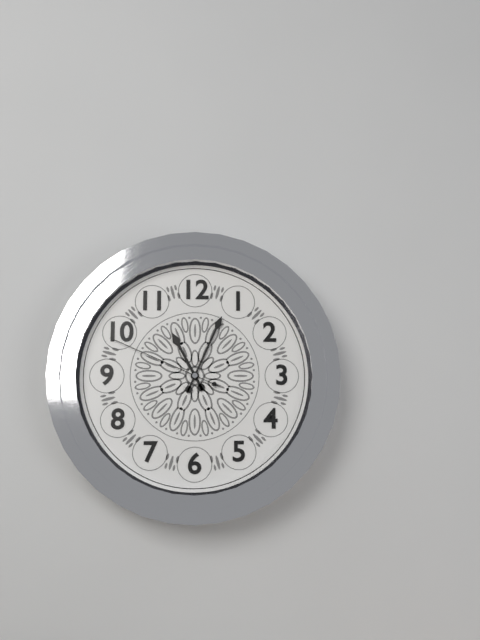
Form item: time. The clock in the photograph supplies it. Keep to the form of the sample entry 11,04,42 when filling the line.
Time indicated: 11,04,49
